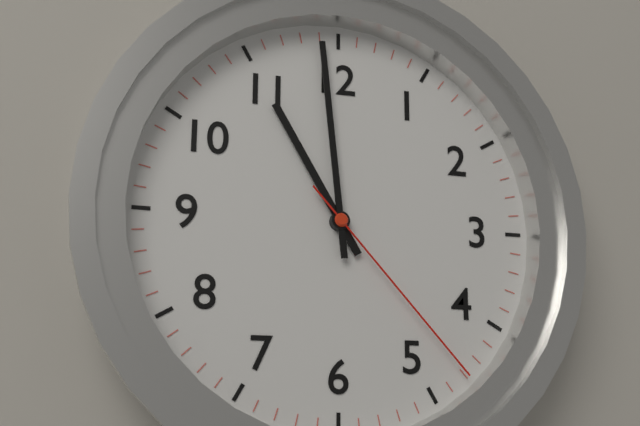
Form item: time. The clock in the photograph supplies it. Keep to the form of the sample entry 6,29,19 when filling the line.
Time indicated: 10,59,23
